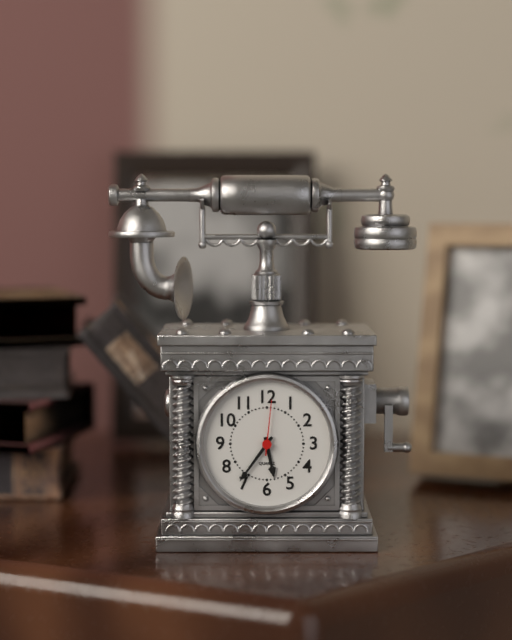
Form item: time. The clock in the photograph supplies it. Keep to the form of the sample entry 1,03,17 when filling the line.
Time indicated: 5,36,01
